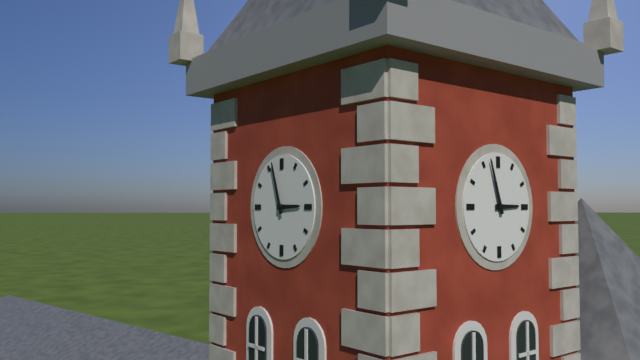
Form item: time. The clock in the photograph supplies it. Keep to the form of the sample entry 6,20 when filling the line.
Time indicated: 2,57
